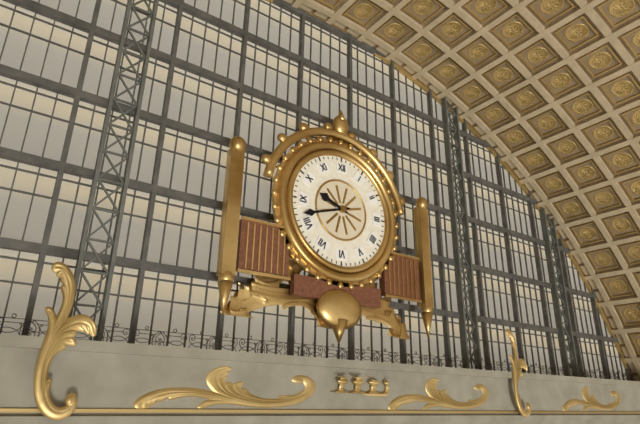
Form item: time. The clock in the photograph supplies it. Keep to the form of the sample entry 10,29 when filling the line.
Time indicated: 9,42
